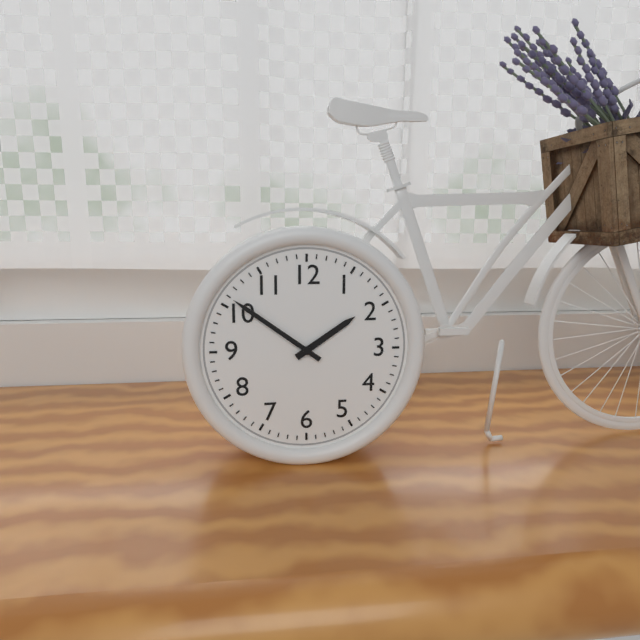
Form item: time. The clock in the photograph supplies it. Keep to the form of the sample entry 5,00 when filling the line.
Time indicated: 1,51
